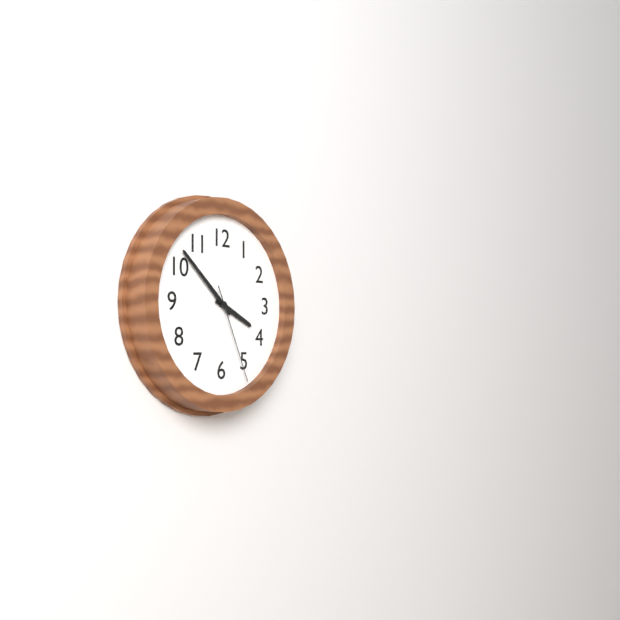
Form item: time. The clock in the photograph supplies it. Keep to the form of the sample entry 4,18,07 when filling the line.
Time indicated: 3,52,26
